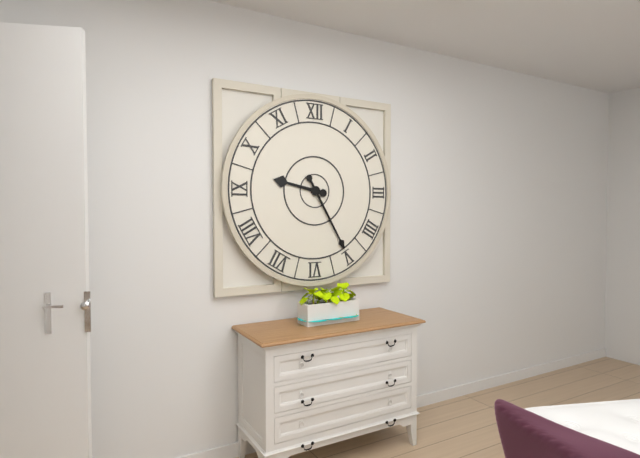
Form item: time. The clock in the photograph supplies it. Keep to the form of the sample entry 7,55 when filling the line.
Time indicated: 9,25
